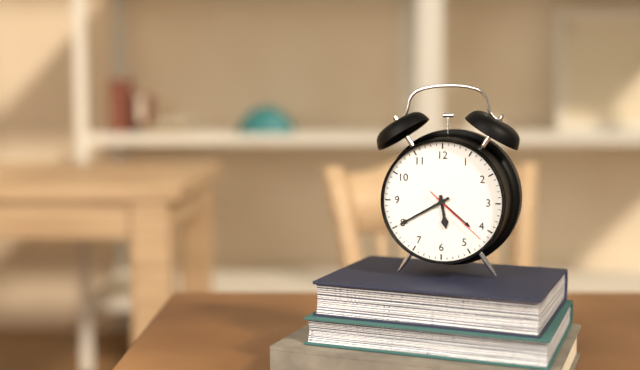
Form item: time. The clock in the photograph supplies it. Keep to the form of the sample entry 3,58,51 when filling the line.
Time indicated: 5,40,22
